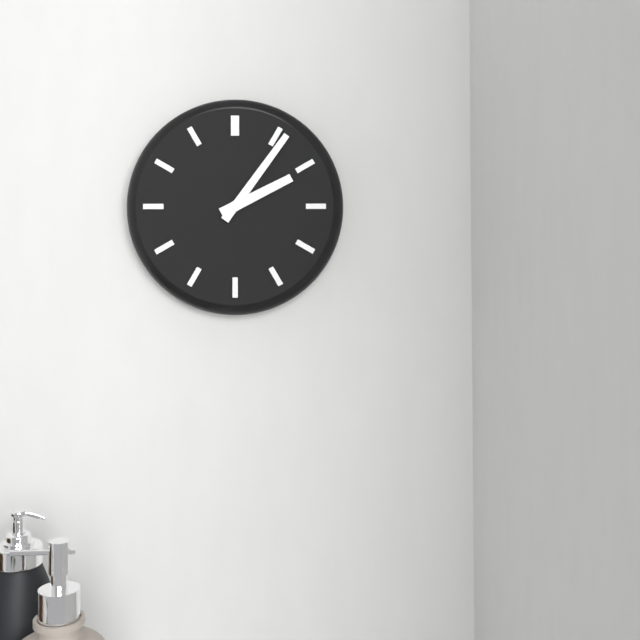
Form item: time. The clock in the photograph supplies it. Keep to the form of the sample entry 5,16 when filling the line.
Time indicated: 2,06
